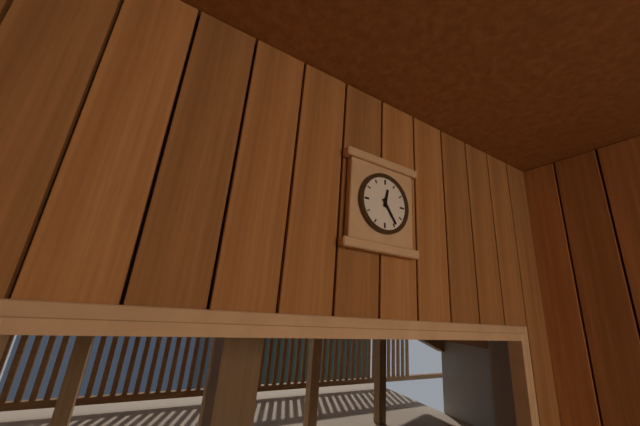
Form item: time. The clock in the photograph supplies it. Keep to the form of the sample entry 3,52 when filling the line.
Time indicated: 12,24
